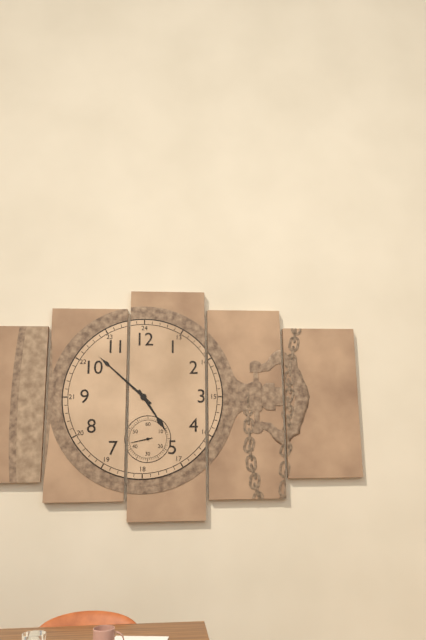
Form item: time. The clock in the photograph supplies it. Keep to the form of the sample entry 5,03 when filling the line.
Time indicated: 4,52
